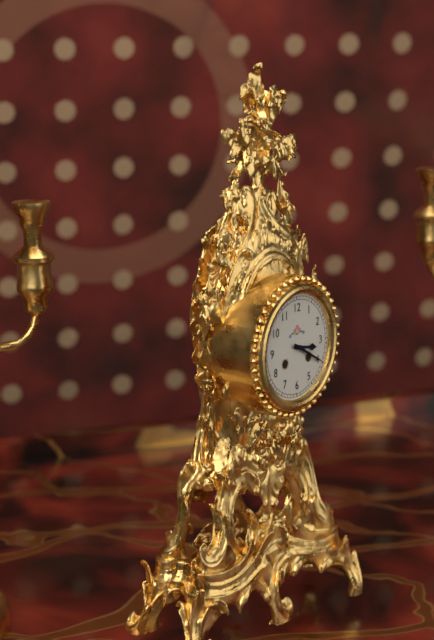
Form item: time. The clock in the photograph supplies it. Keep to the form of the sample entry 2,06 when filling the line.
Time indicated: 3,20
